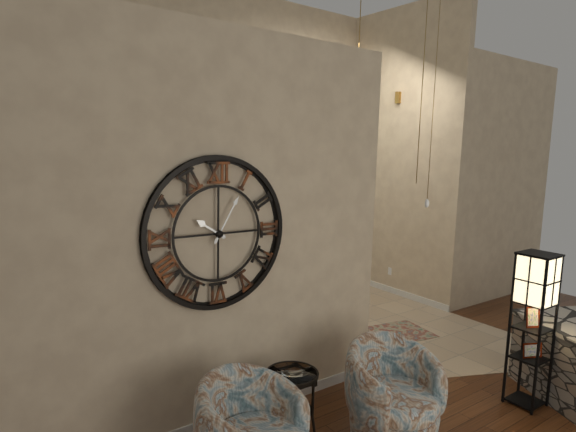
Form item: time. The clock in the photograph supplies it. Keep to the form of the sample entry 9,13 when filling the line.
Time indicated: 10,05
